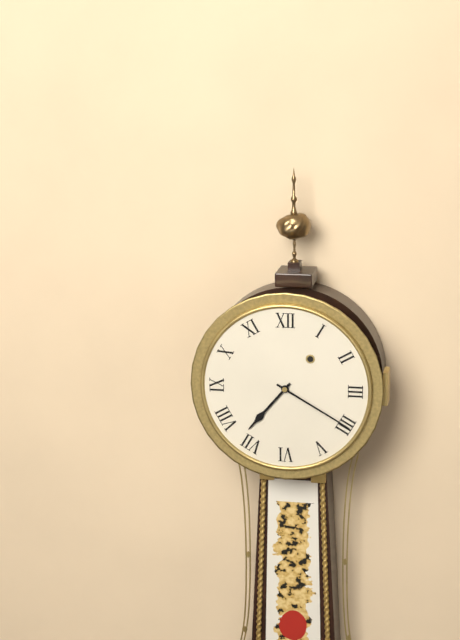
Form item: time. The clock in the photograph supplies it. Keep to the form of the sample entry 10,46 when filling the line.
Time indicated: 7,20
